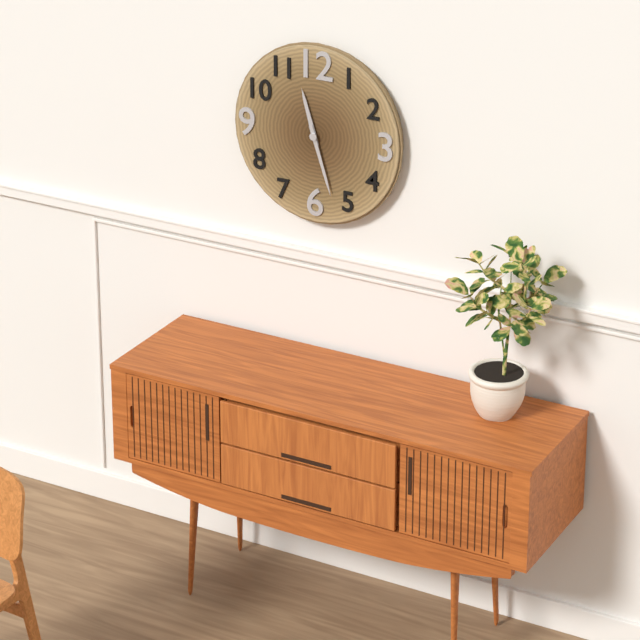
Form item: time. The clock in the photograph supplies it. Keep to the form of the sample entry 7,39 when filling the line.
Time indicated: 11,27
